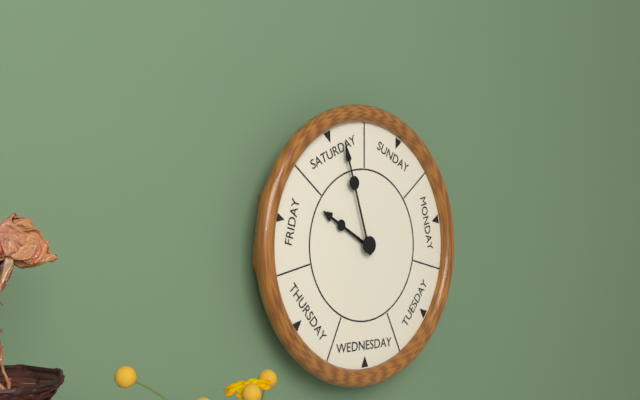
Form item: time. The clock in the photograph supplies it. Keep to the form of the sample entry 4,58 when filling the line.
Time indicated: 9,57
